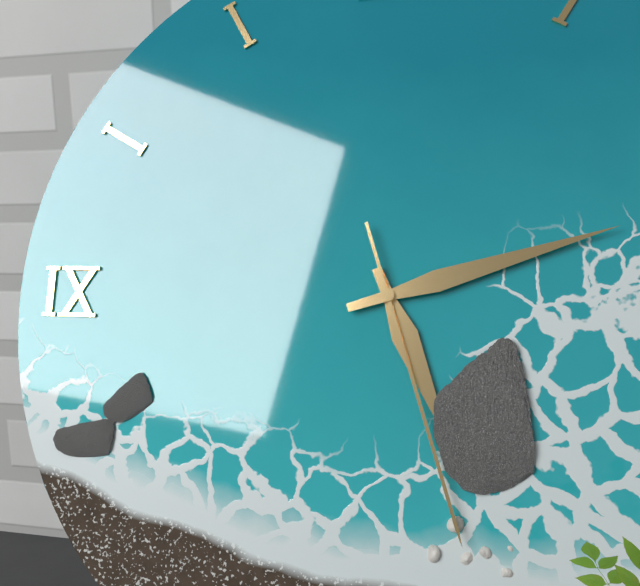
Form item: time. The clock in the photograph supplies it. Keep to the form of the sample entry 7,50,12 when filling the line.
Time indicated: 5,12,27
